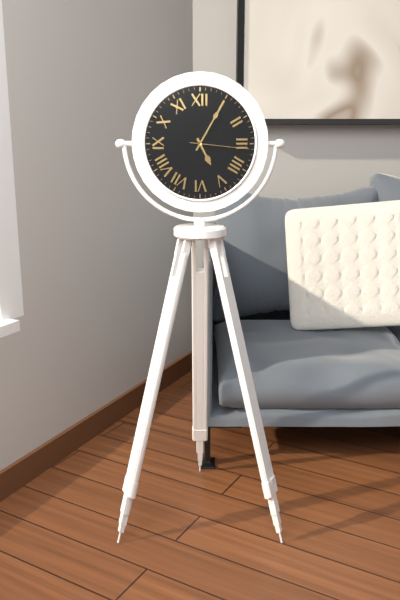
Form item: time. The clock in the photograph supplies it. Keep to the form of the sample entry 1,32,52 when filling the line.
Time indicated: 5,05,16
